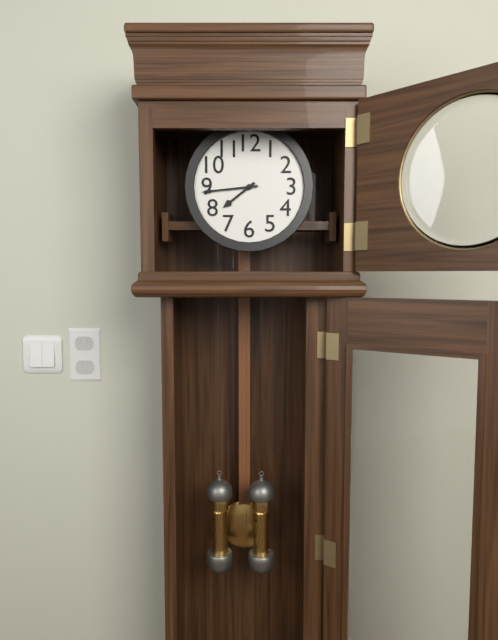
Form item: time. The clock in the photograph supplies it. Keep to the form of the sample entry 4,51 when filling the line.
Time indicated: 7,44
